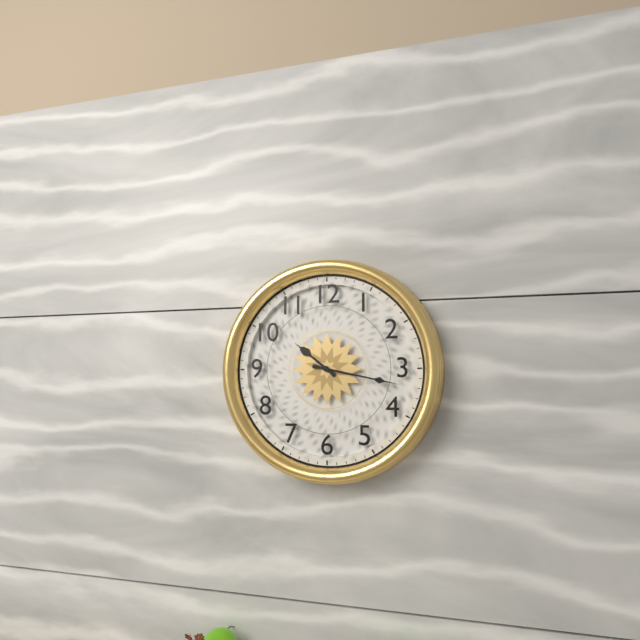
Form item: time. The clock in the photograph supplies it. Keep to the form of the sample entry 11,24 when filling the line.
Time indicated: 10,17
